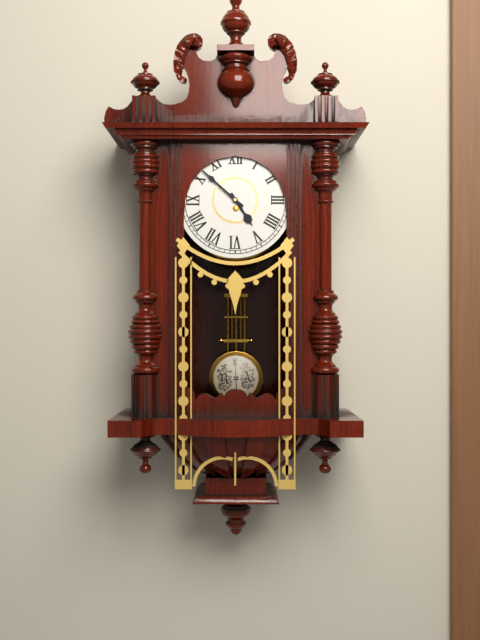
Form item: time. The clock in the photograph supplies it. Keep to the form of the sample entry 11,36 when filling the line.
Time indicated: 4,52
